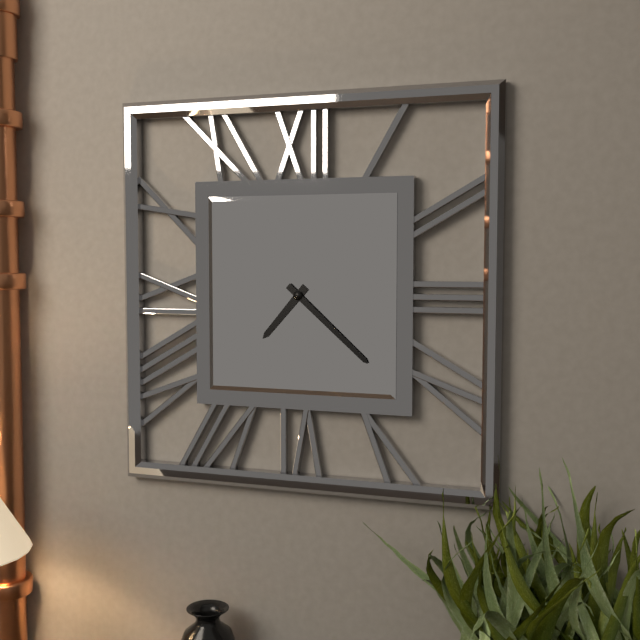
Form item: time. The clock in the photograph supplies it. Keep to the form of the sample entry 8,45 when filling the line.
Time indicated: 7,22
